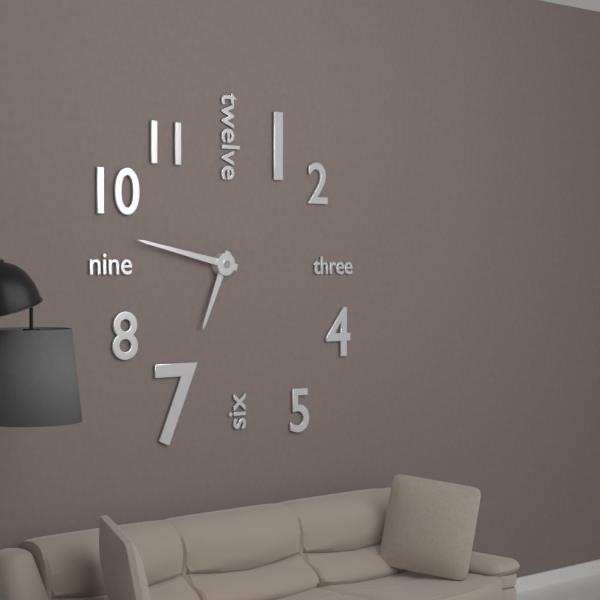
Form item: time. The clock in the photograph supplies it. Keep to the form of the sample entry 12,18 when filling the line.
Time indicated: 6,47
